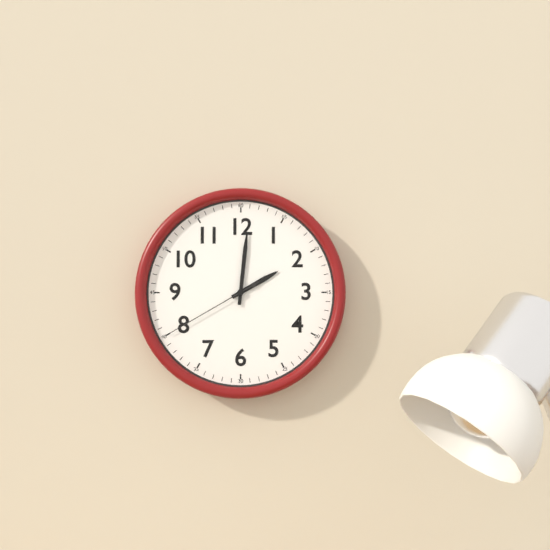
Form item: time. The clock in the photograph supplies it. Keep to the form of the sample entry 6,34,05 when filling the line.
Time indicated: 2,01,40
